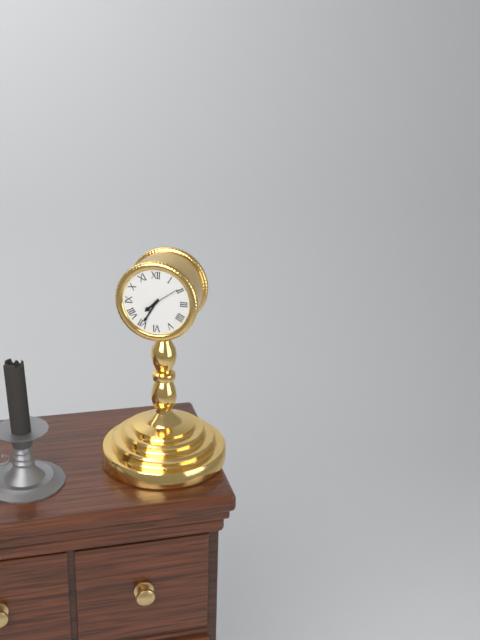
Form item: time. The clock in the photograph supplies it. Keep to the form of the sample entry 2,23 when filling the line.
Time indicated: 7,35
